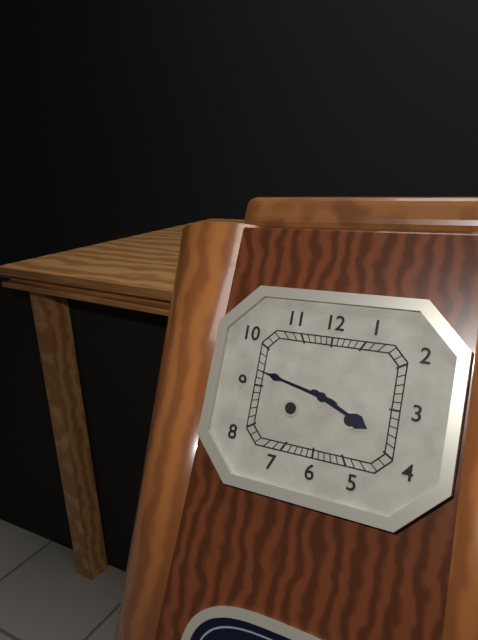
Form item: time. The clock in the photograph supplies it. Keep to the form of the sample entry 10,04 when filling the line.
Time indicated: 3,47
